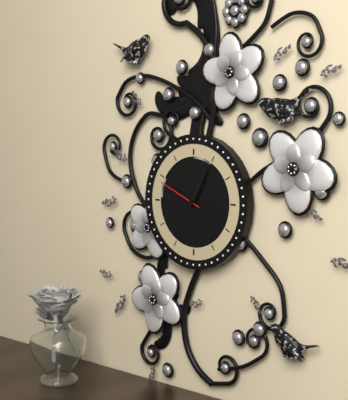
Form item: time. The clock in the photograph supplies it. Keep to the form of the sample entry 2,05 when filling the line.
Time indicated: 1,05
